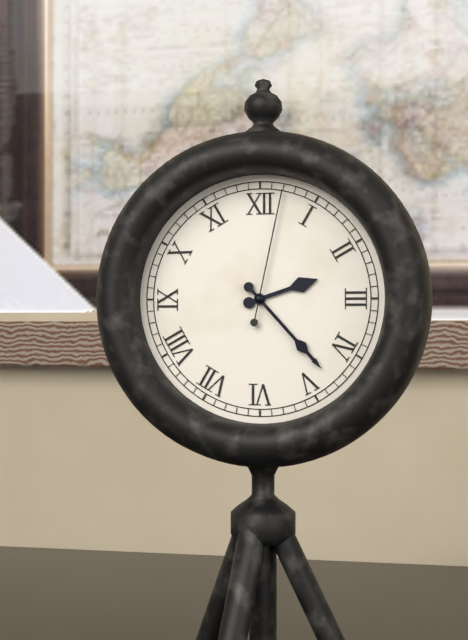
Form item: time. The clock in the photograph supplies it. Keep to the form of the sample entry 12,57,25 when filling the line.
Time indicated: 2,23,02
